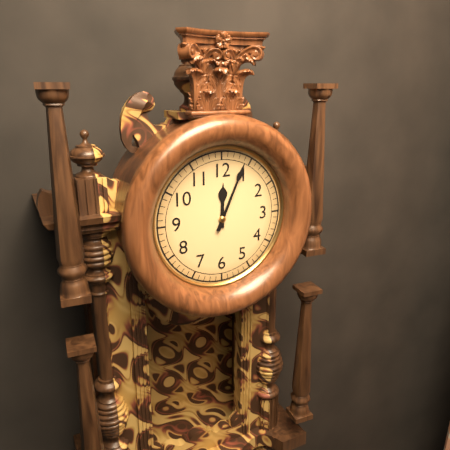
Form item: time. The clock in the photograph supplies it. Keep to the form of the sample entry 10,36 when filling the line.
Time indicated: 12,04
